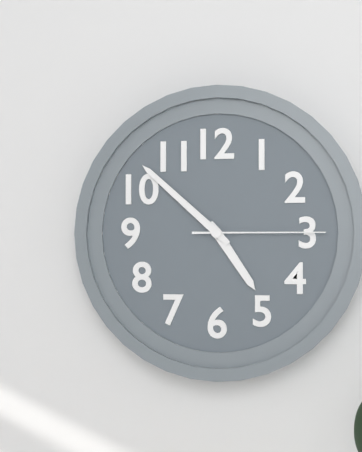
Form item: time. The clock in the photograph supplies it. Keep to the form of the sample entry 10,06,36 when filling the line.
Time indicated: 4,52,15
